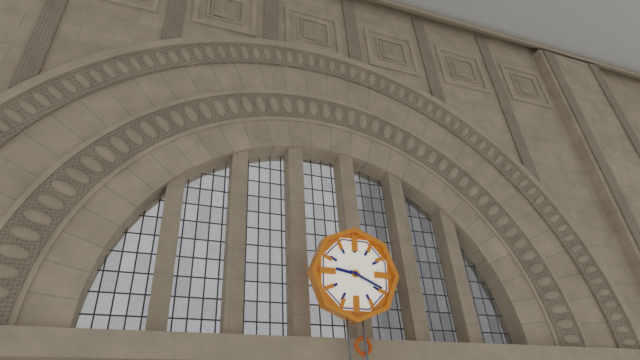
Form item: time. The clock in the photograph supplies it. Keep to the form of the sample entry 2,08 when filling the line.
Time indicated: 9,19
